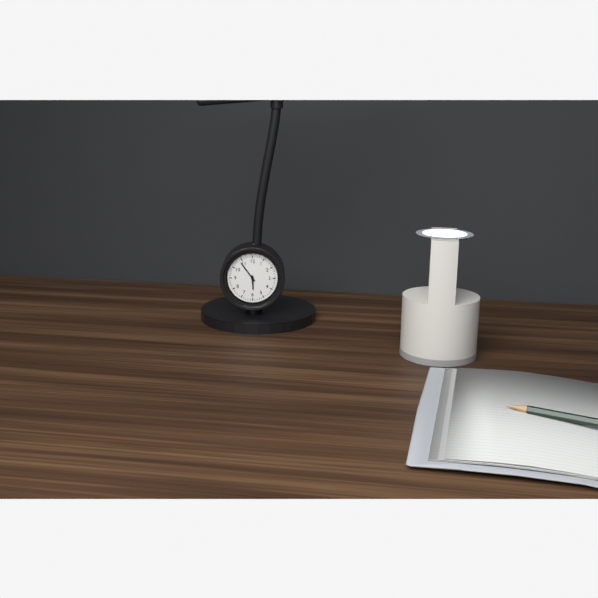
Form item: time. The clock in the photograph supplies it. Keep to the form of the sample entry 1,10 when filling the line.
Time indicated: 5,54
